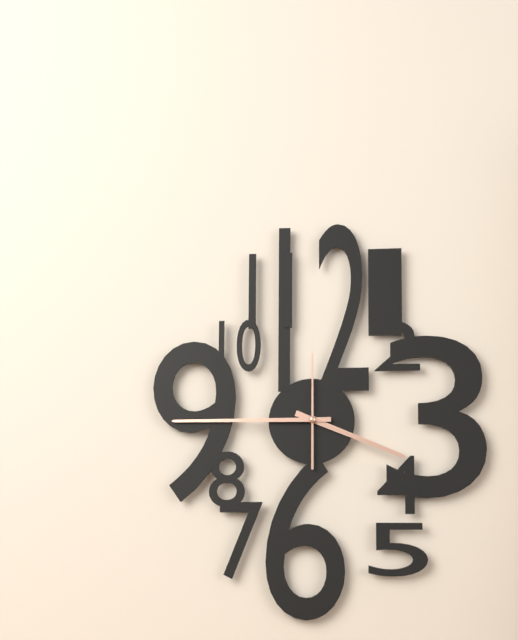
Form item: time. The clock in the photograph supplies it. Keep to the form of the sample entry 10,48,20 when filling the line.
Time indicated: 3,45,00
